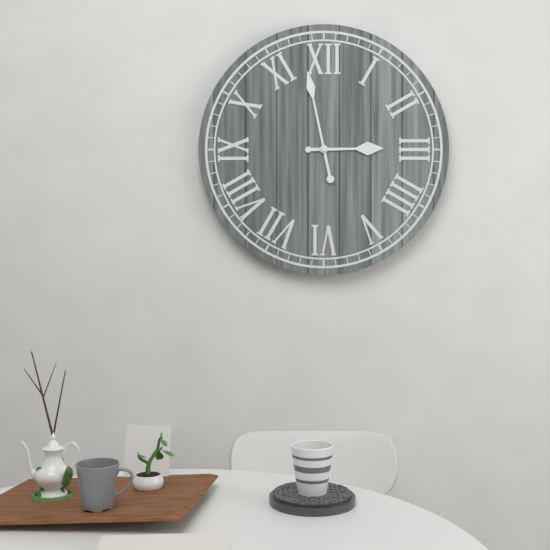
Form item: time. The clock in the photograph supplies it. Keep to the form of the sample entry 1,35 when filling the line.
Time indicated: 2,58
